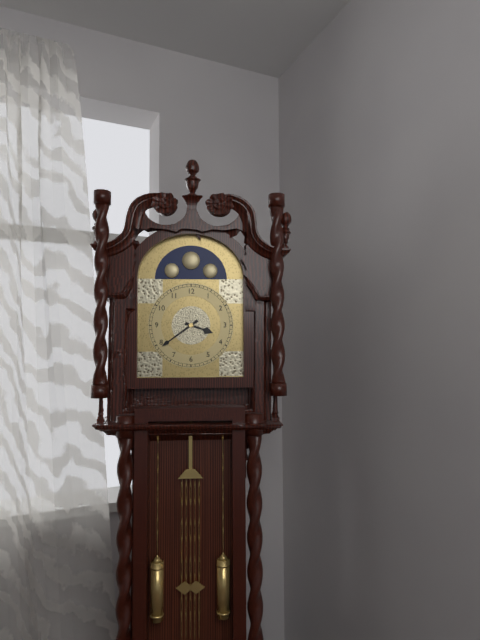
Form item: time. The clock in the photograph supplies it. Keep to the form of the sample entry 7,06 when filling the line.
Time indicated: 3,39
